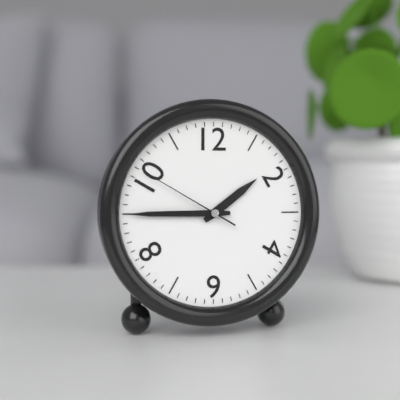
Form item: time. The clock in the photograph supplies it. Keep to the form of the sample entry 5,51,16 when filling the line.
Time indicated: 1,45,50
